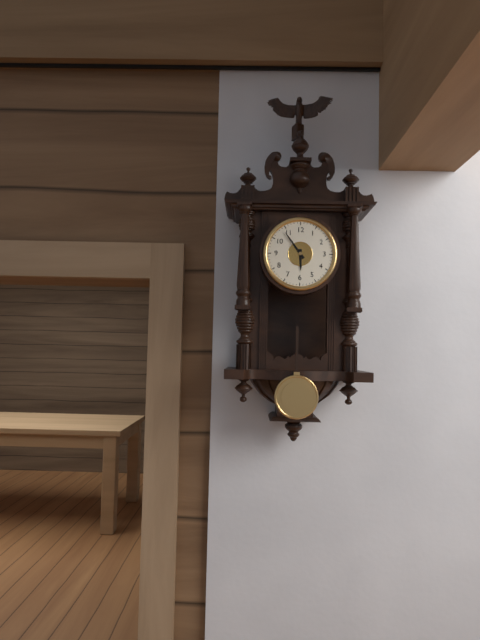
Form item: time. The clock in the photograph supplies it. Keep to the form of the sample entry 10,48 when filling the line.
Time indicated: 5,54
